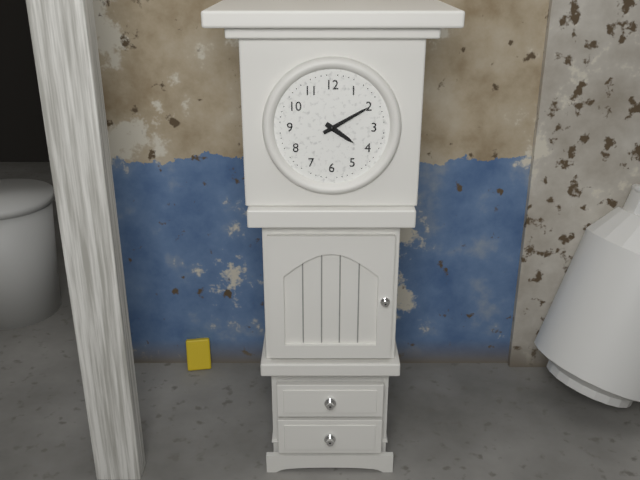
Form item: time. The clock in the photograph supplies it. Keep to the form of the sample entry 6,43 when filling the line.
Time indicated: 4,10
